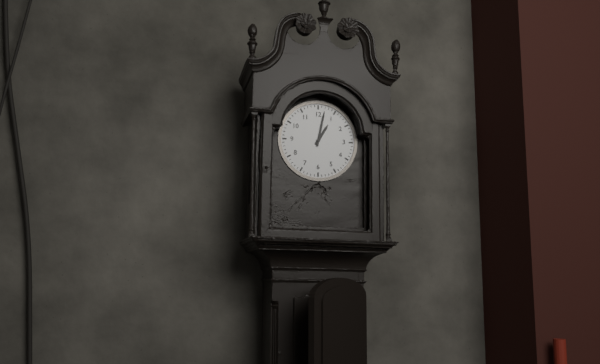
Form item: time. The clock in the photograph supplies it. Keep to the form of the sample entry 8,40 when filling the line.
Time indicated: 1,02
